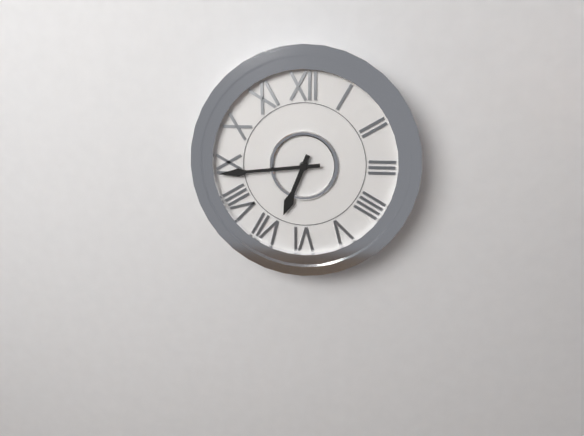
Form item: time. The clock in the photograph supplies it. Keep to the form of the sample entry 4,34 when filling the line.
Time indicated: 6,44
